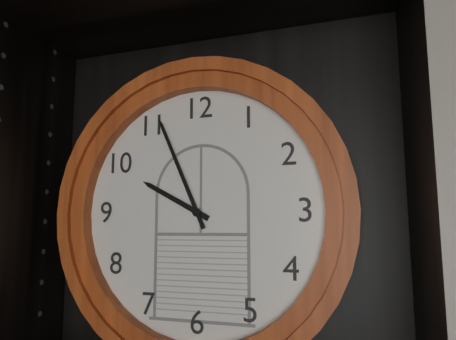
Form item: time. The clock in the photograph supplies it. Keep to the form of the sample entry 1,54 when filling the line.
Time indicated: 9,56
